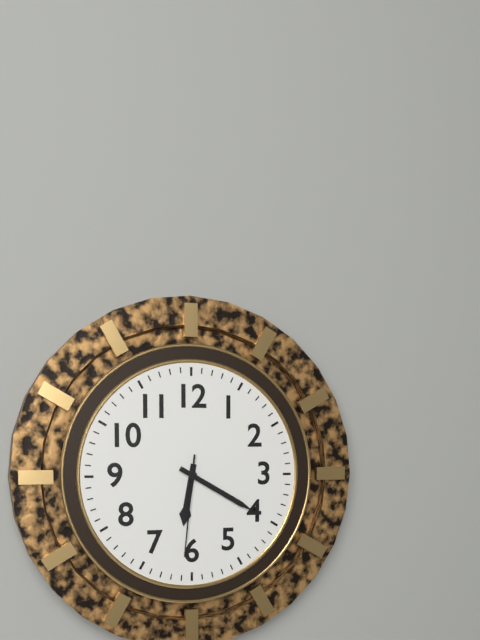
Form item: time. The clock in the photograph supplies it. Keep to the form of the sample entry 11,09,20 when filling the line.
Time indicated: 6,20,31
